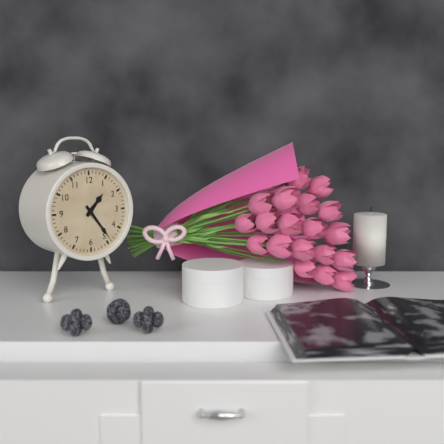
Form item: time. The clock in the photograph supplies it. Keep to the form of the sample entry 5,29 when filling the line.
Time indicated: 1,24
